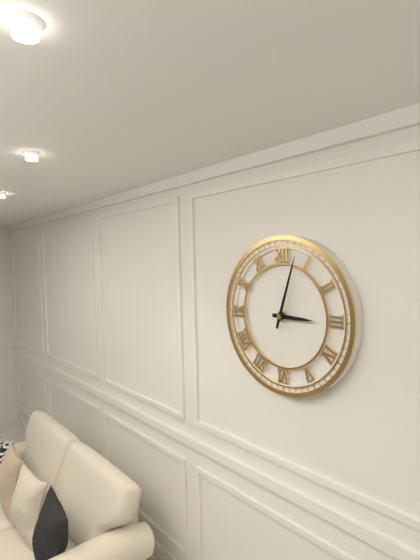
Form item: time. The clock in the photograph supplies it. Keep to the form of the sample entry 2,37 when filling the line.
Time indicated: 3,03
